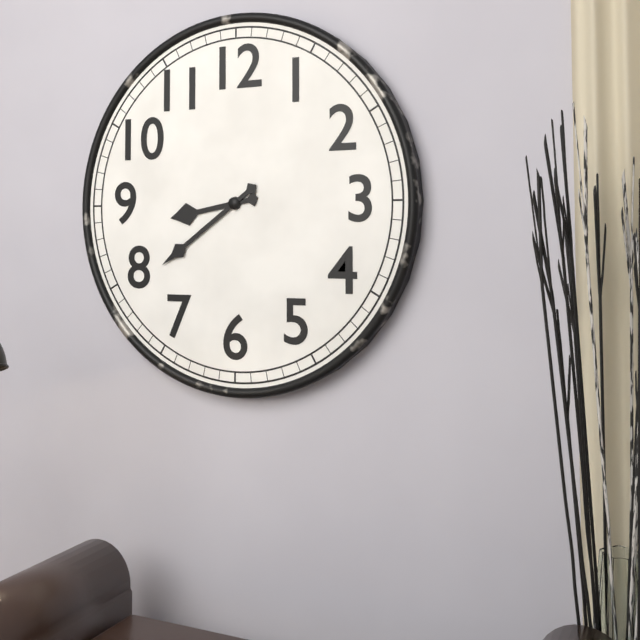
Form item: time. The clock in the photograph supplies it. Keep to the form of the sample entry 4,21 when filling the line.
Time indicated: 8,39
